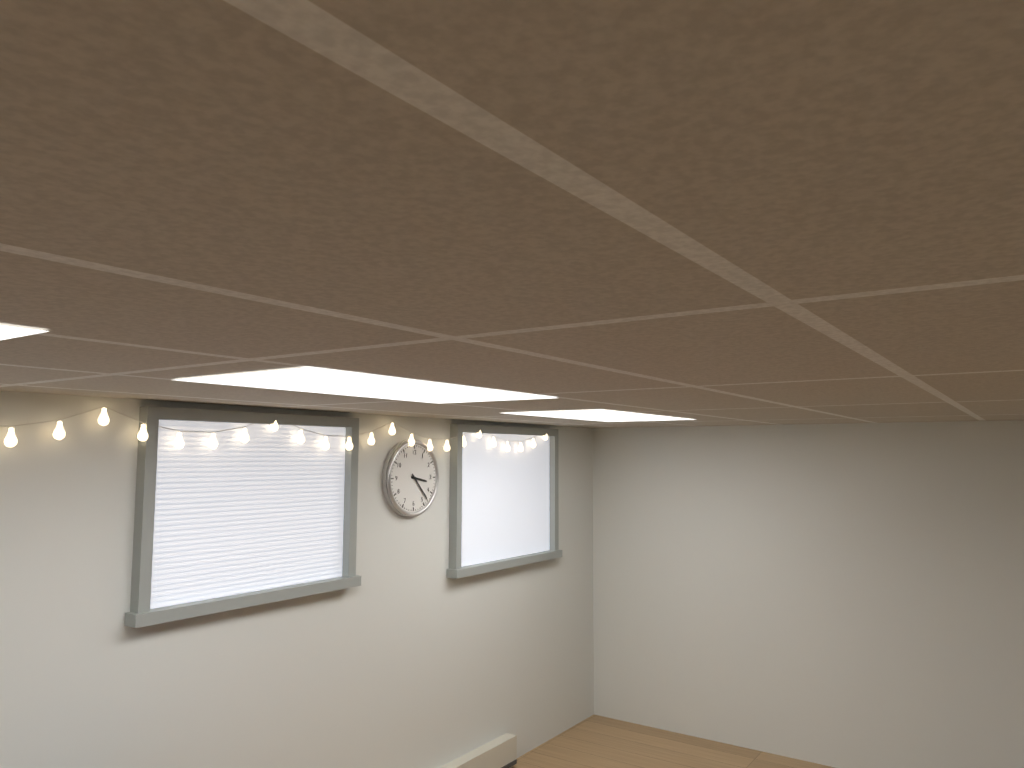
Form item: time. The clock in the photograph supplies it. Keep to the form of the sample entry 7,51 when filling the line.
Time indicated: 3,23
